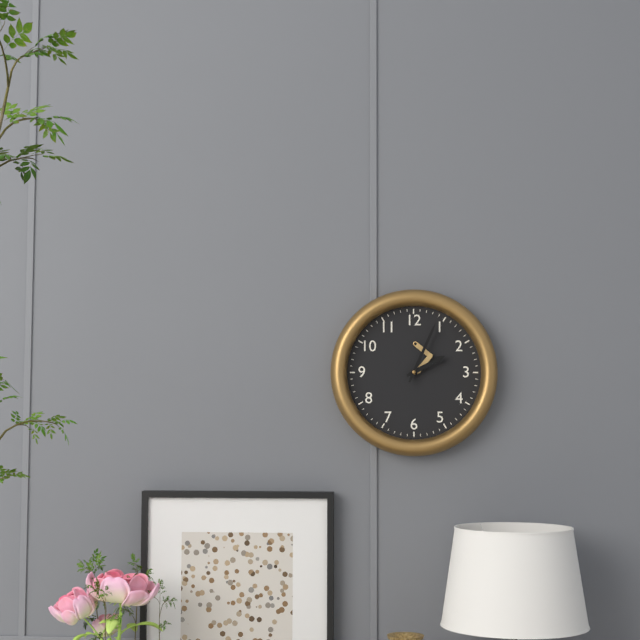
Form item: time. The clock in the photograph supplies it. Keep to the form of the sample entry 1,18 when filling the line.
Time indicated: 2,04
